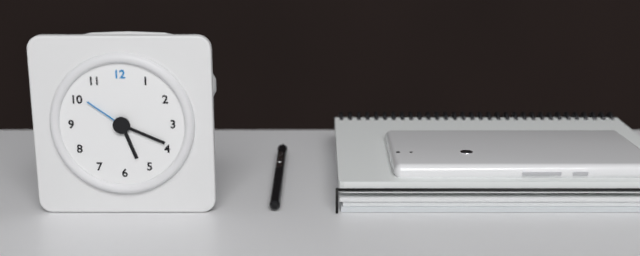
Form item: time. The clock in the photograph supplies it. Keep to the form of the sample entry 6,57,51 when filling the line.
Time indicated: 5,19,51
